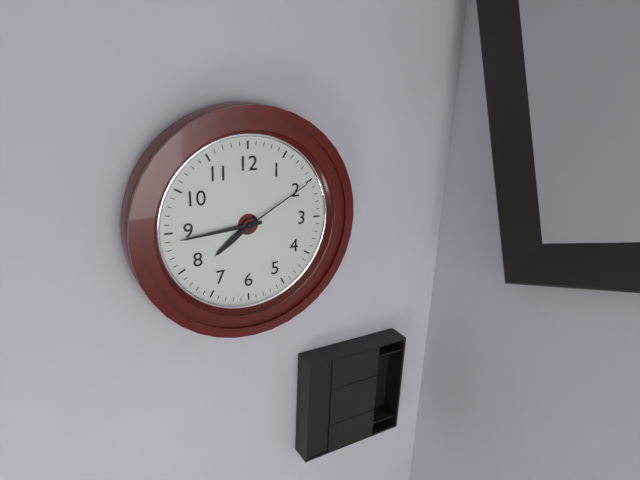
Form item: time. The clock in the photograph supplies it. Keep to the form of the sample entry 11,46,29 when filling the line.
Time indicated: 7,44,10
